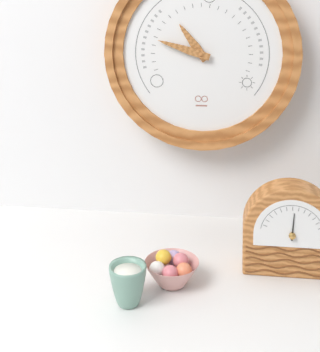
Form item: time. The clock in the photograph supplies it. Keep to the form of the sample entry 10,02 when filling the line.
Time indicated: 10,48
